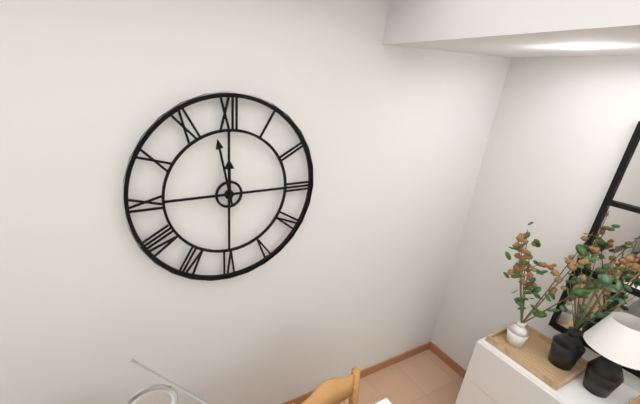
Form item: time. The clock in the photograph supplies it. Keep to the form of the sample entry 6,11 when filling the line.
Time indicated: 11,58
